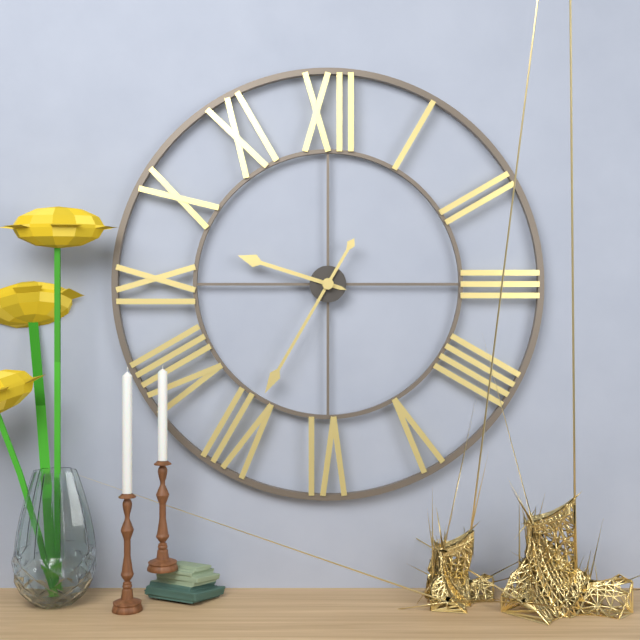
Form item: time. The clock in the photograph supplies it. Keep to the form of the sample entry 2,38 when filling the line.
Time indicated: 9,35
